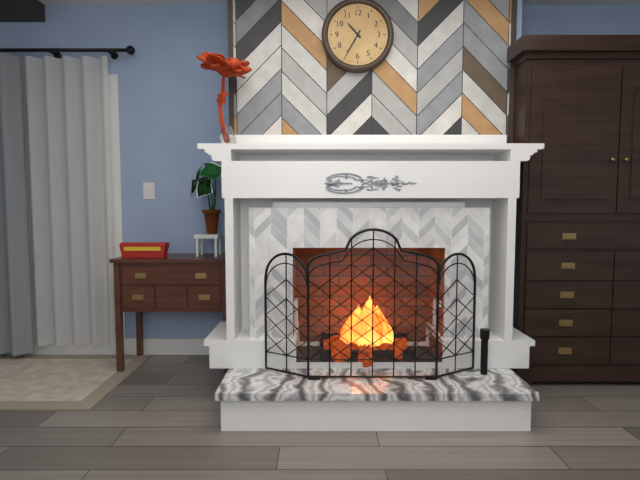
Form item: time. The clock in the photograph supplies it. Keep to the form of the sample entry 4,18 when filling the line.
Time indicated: 10,35
